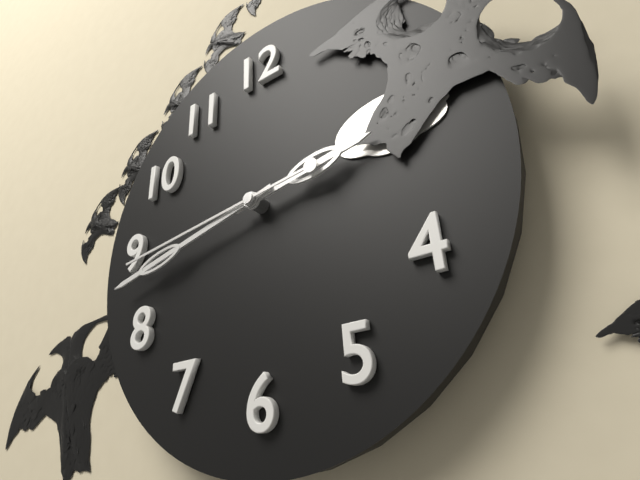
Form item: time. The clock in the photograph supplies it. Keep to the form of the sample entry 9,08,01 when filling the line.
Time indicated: 2,43,44
